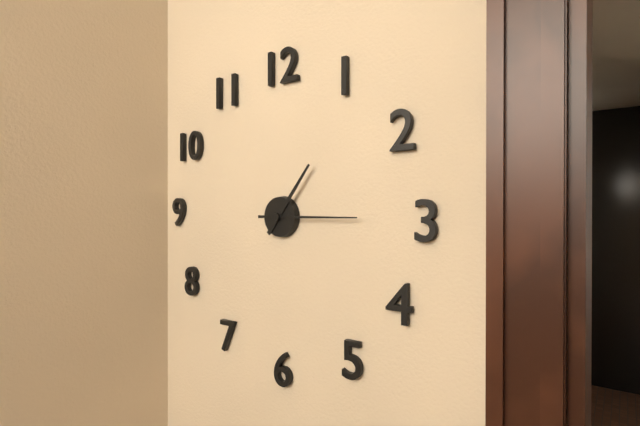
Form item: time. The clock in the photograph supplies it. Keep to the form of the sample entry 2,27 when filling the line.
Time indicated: 1,15
